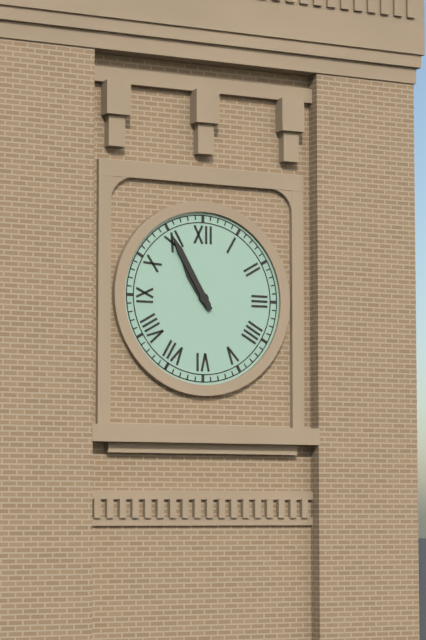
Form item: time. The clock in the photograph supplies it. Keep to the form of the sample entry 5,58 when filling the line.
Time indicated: 10,55
